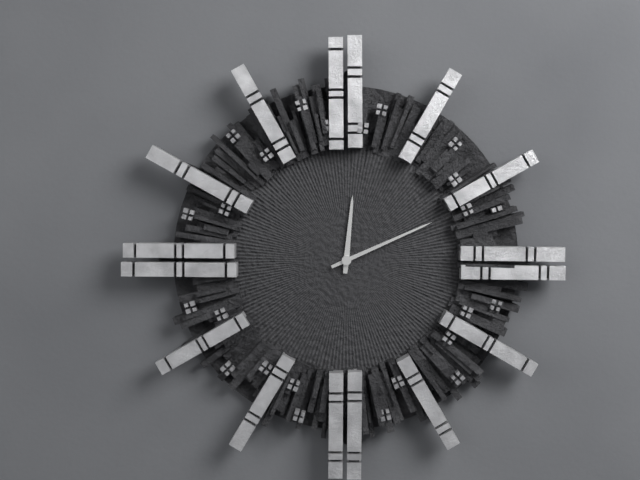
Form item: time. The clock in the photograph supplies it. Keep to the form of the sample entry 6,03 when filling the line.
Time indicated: 12,11
